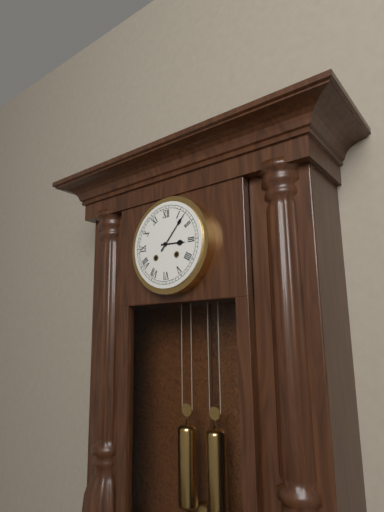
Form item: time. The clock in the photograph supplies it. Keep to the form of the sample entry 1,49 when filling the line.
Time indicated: 3,07
